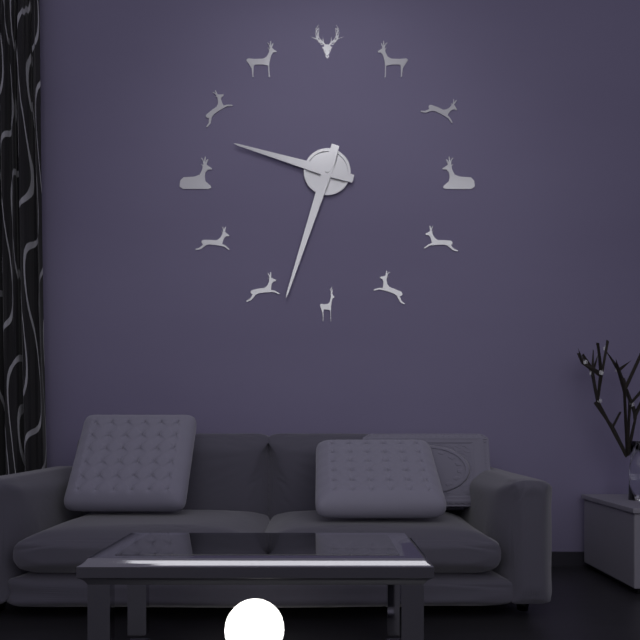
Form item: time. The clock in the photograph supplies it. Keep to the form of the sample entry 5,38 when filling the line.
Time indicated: 9,33
